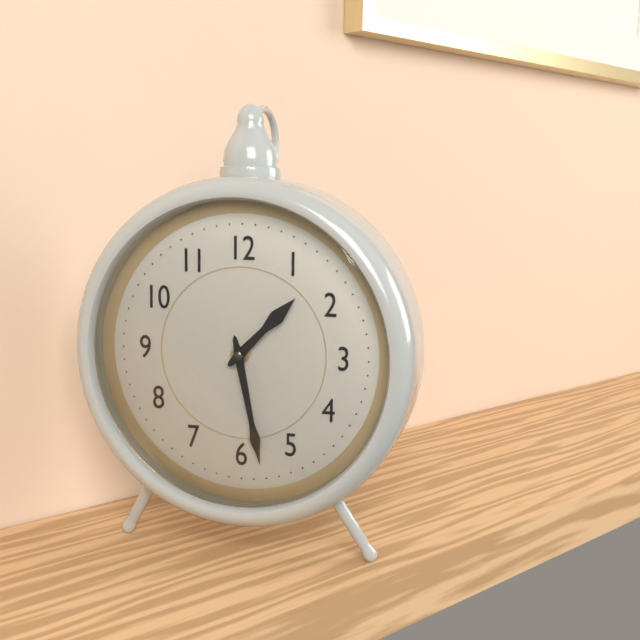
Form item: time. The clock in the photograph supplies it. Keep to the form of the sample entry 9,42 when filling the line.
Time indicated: 1,28
